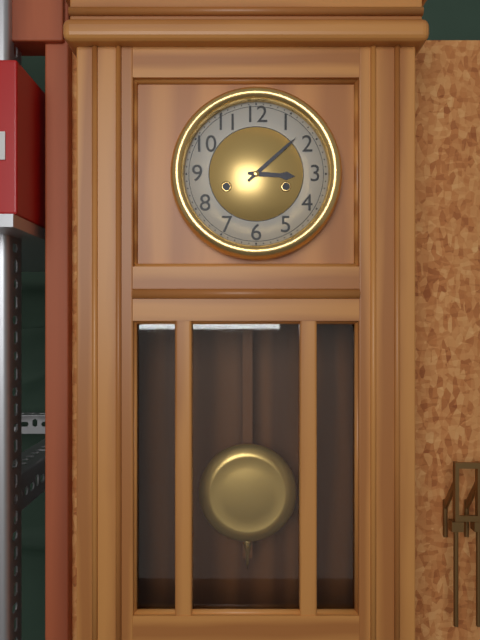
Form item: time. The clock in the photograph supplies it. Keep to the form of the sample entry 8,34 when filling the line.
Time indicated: 3,08
